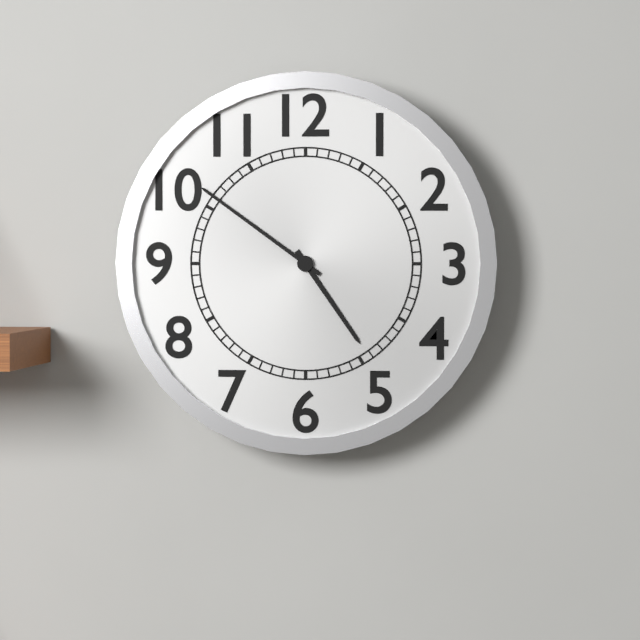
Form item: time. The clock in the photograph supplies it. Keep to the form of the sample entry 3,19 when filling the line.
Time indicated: 4,51
